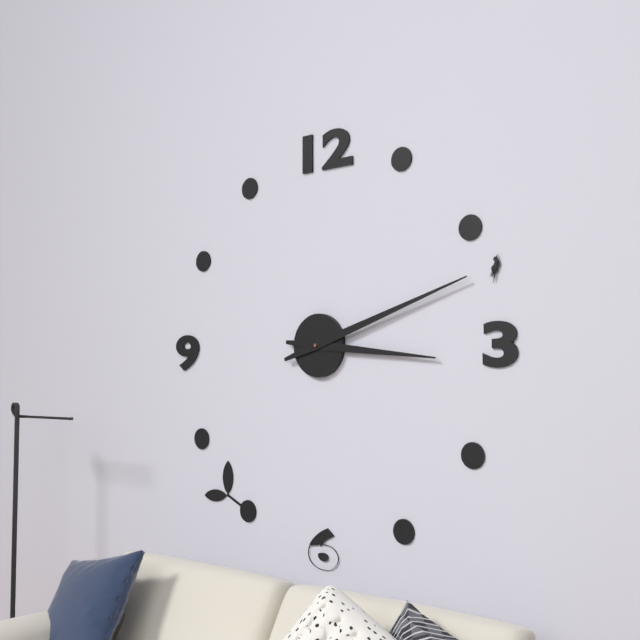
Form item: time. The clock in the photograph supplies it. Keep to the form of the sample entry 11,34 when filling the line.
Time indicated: 3,12
